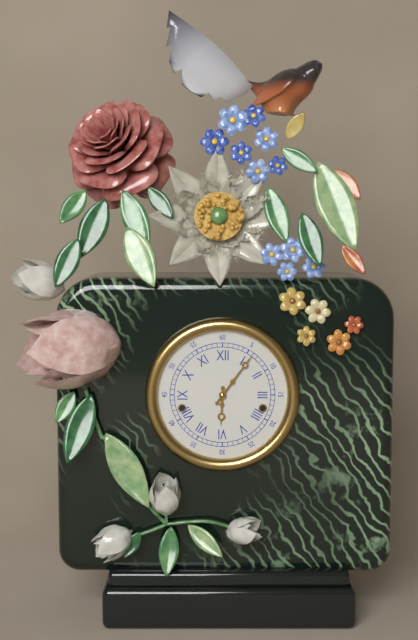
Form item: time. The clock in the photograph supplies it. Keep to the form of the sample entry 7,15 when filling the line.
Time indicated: 6,06
